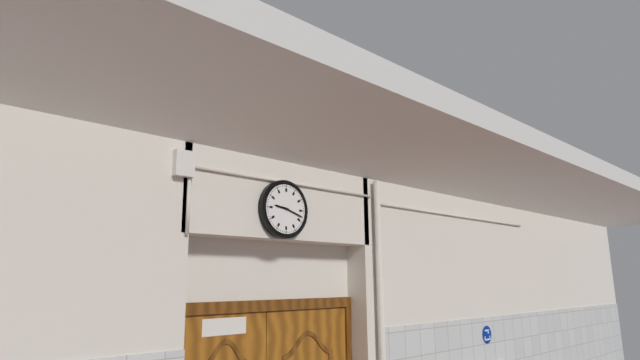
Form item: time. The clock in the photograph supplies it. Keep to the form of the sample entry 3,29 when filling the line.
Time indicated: 9,18
